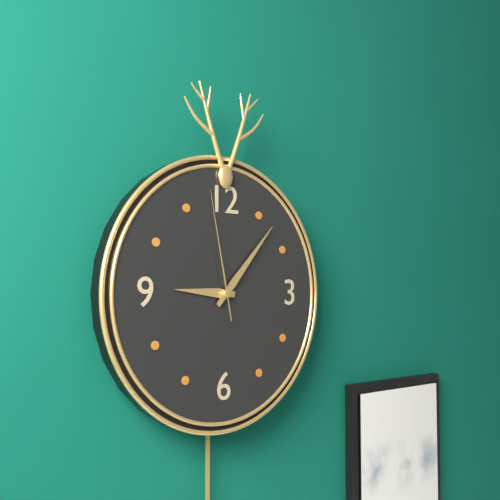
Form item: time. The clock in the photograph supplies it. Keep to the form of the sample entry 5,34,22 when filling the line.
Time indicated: 9,07,58
